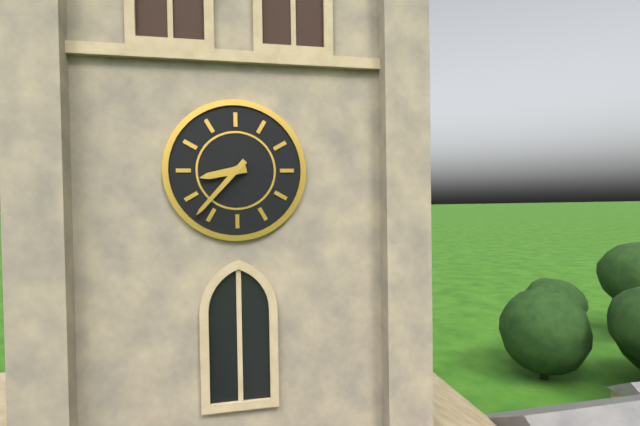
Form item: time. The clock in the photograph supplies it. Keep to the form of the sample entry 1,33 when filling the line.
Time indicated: 8,37
